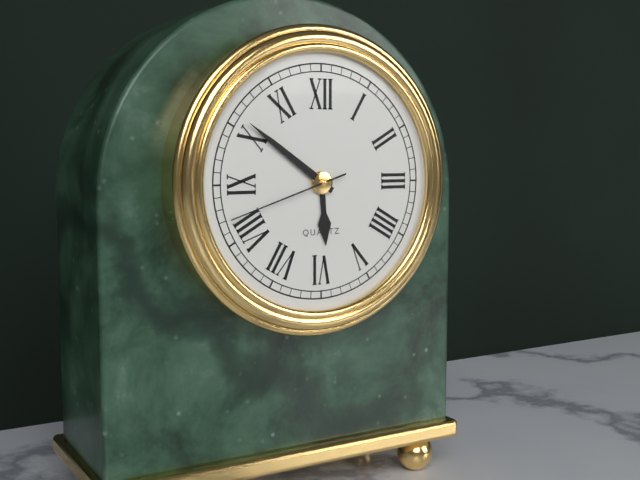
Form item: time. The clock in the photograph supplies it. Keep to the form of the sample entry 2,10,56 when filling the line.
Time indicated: 5,51,42
